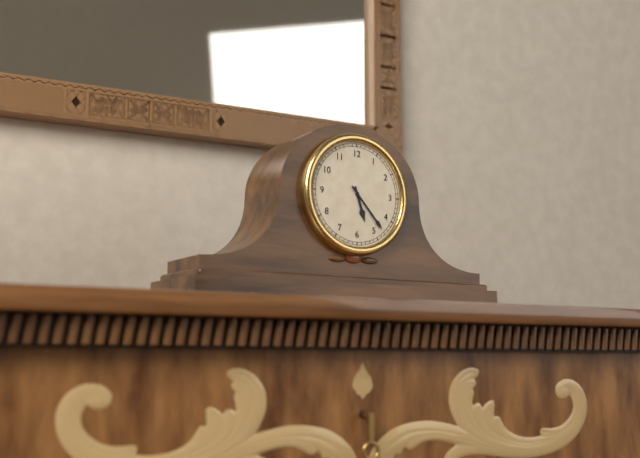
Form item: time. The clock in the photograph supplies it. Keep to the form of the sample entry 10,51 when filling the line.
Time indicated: 5,23
